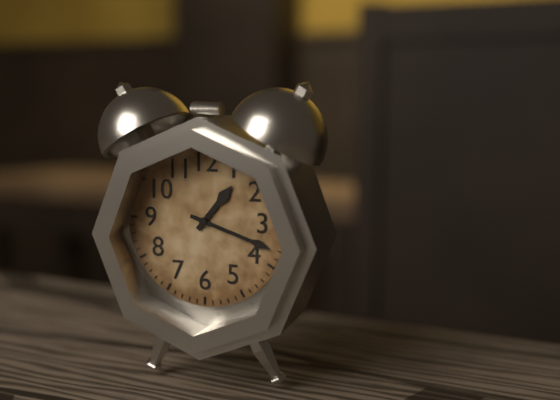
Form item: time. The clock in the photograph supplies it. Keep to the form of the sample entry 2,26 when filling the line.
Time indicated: 1,18
